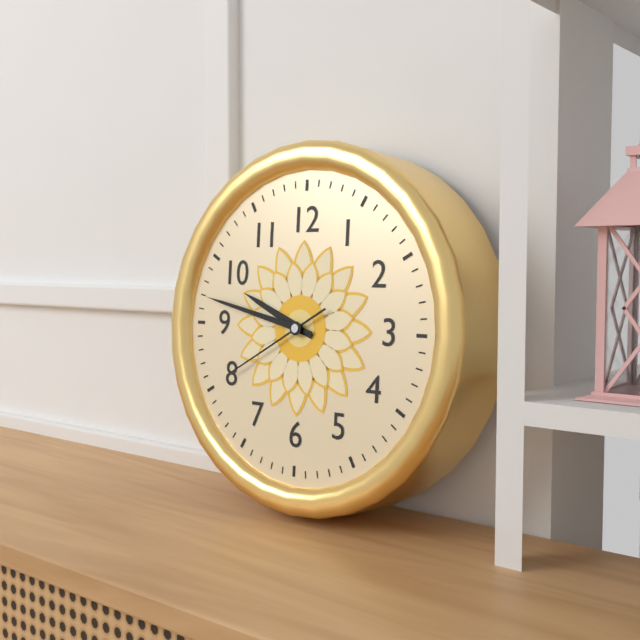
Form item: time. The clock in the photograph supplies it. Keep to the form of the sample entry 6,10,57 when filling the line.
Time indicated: 9,47,40
